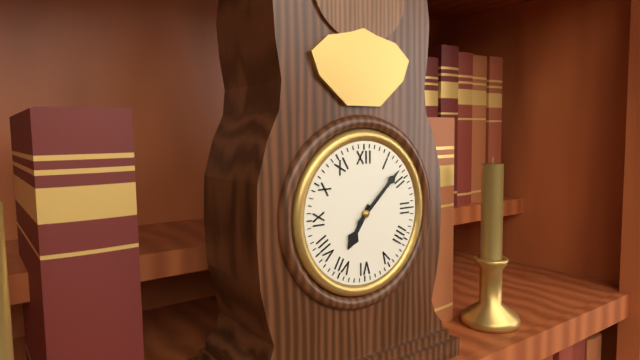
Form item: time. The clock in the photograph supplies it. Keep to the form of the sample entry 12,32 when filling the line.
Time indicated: 7,08
